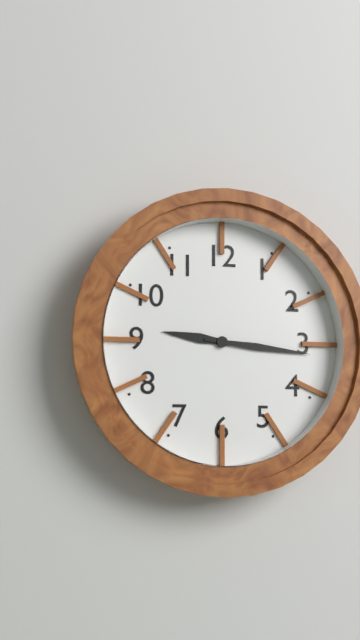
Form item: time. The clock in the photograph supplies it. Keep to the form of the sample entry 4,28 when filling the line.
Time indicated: 9,16
